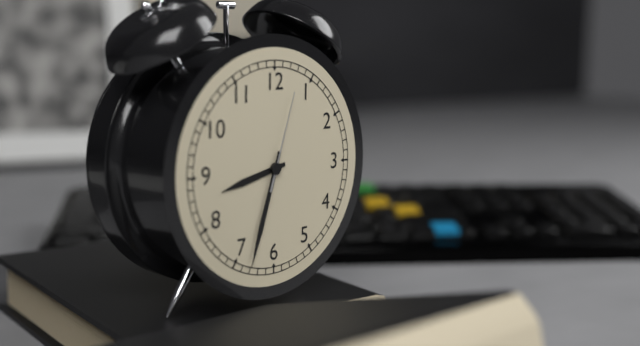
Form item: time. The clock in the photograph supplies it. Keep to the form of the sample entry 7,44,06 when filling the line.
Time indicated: 8,33,03
